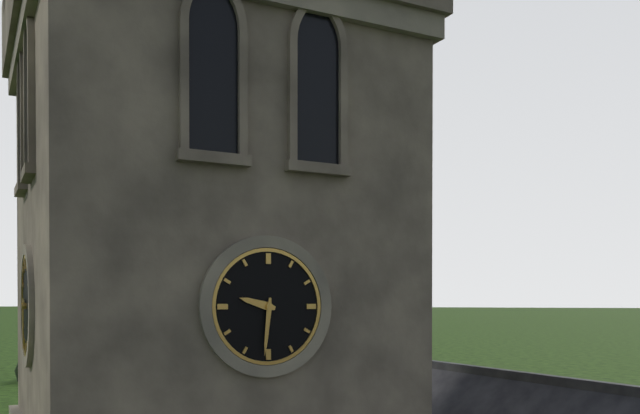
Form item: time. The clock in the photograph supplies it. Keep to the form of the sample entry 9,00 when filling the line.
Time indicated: 9,31
